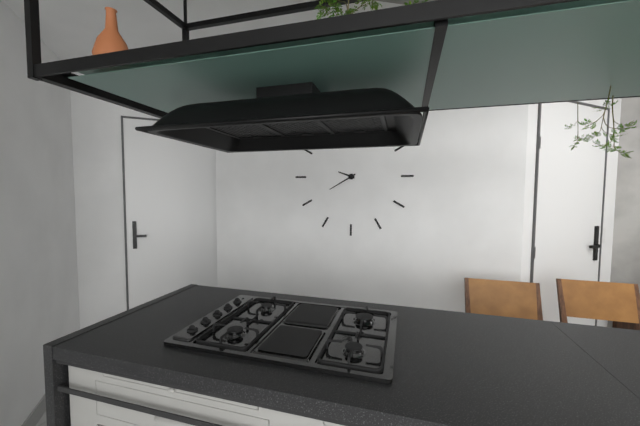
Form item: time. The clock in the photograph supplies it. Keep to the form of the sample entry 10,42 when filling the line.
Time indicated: 9,40
